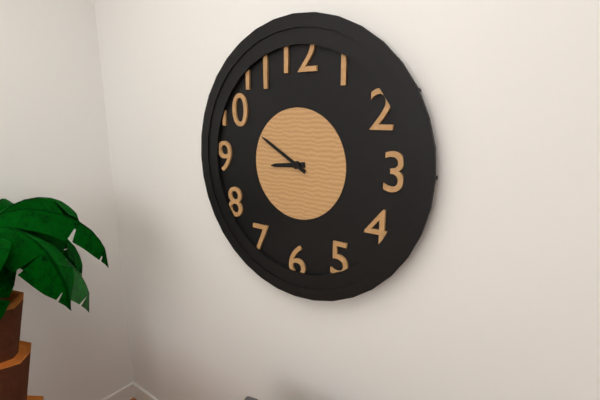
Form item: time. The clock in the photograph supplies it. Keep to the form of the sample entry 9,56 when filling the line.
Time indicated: 8,50
